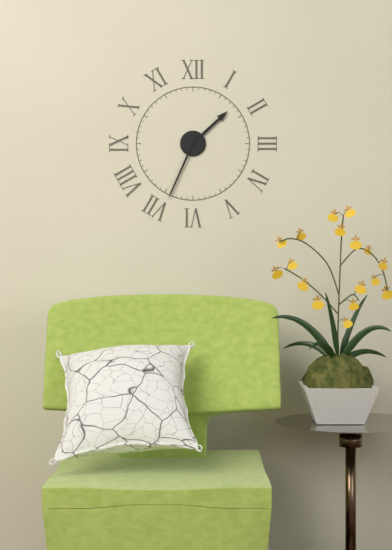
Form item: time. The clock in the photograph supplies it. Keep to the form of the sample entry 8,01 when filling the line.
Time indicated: 1,34
